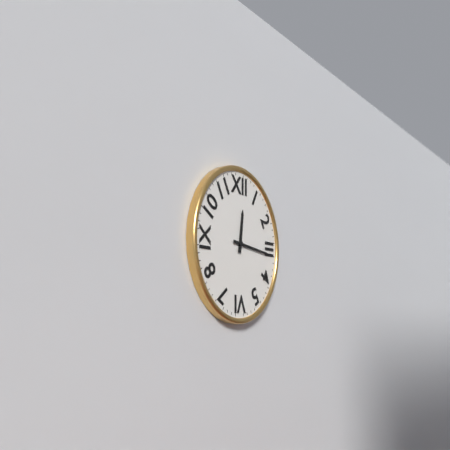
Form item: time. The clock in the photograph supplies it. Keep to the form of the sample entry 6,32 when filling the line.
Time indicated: 12,16
